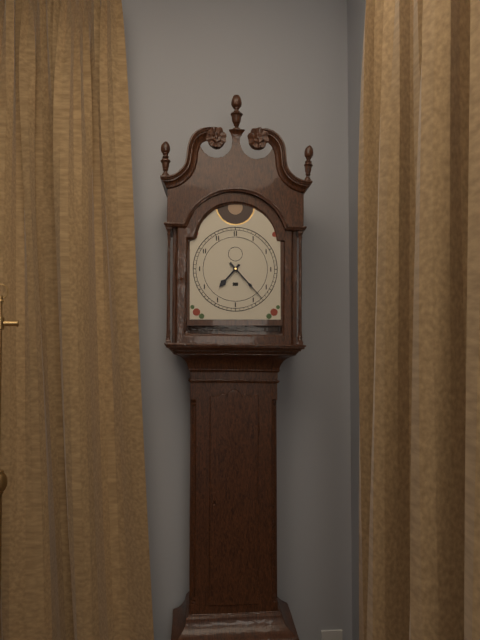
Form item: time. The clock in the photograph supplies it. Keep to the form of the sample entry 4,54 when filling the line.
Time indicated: 7,23
